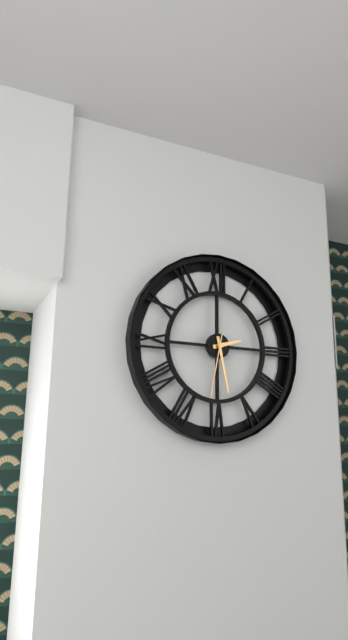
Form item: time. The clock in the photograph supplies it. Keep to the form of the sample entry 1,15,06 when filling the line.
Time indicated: 2,28,32
